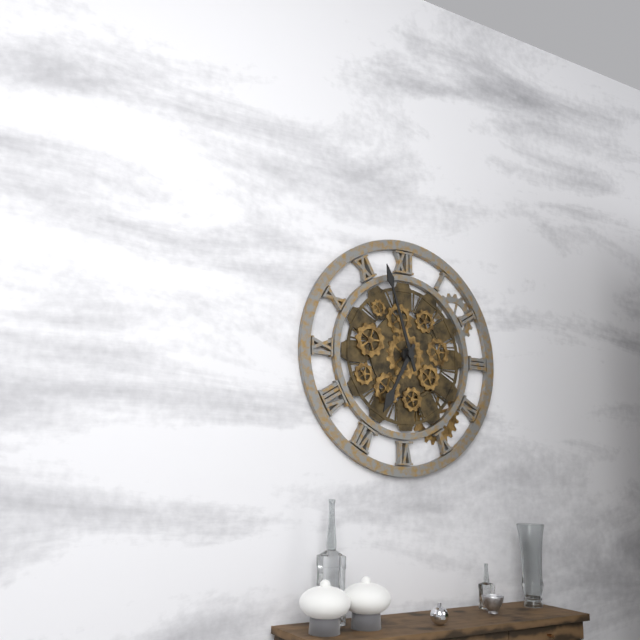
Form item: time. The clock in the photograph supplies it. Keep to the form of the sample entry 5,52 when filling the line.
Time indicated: 6,57
